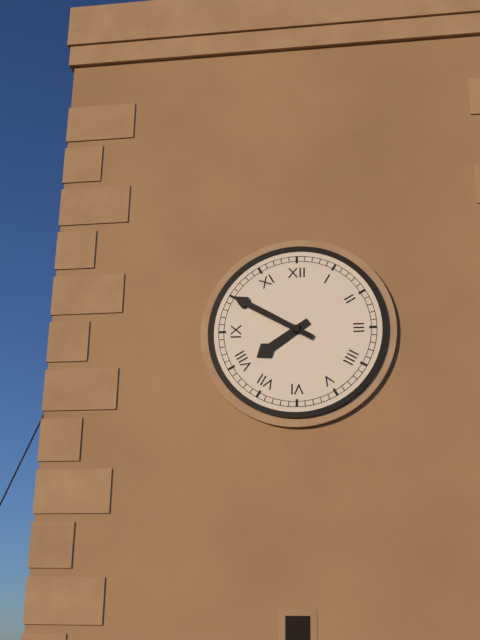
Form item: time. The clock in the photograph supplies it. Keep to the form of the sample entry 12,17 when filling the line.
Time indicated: 7,50
